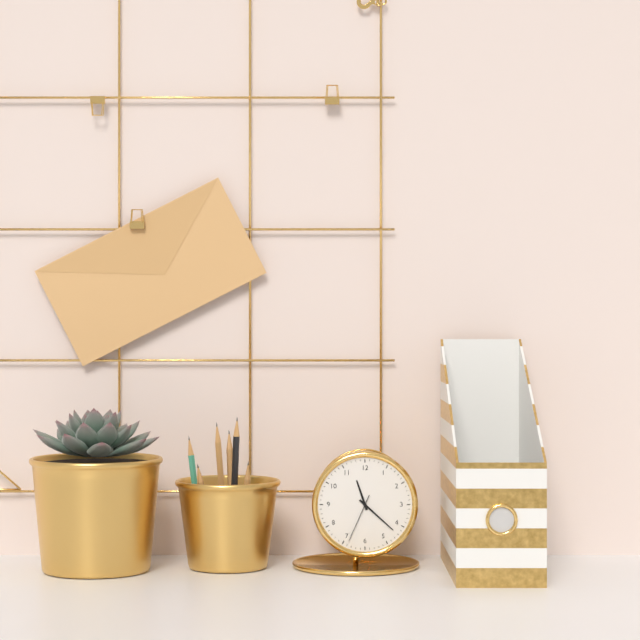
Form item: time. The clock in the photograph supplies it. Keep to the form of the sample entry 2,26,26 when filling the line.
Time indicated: 11,22,34
